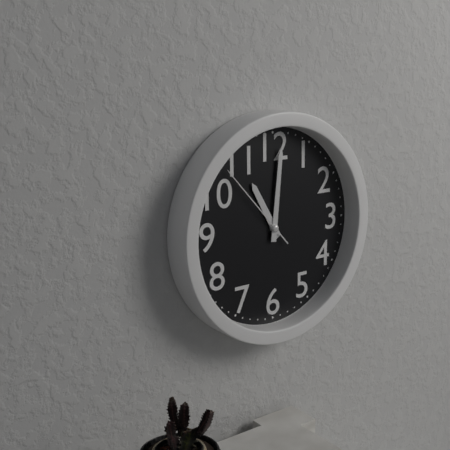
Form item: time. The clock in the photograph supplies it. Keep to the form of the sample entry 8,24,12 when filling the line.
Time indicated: 11,01,53
